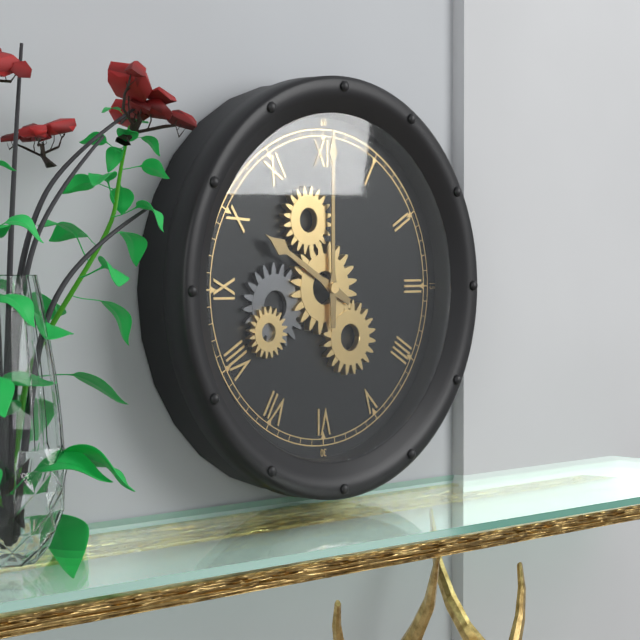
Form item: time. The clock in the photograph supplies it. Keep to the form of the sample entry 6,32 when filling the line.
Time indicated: 10,00
